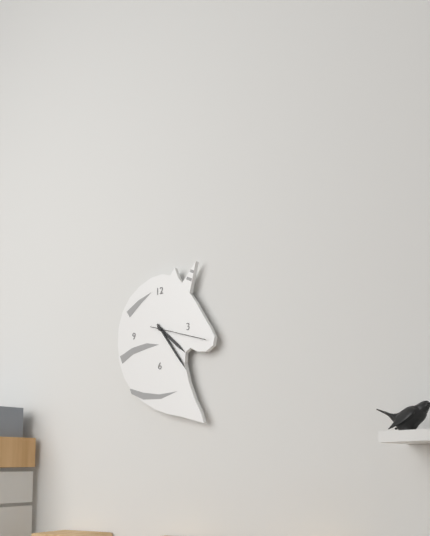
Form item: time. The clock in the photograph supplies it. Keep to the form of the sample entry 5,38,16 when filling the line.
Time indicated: 4,24,18
